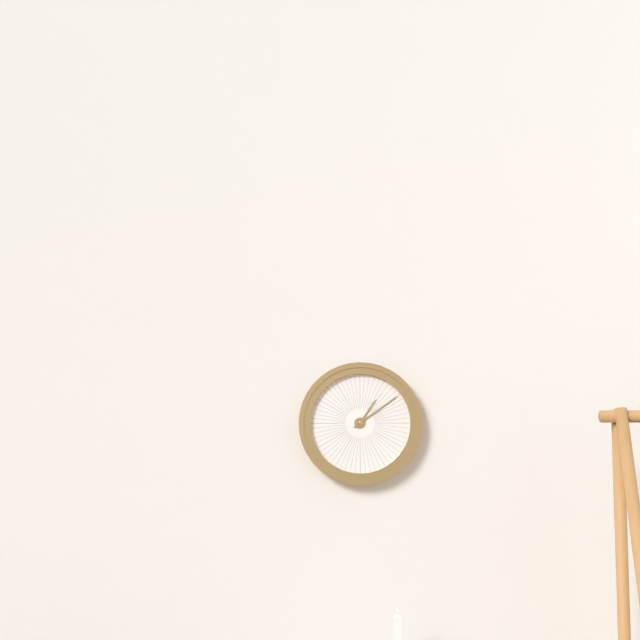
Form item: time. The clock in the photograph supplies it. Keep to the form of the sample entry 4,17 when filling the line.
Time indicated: 1,09
